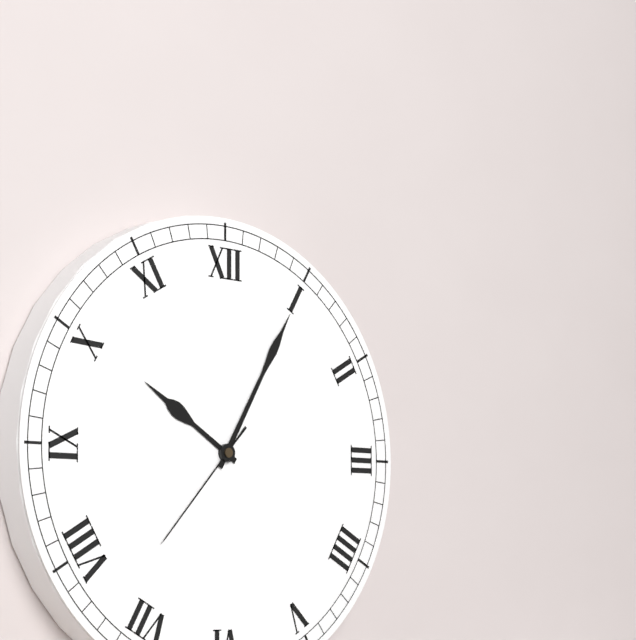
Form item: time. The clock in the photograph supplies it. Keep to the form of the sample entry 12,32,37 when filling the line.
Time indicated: 10,05,37
